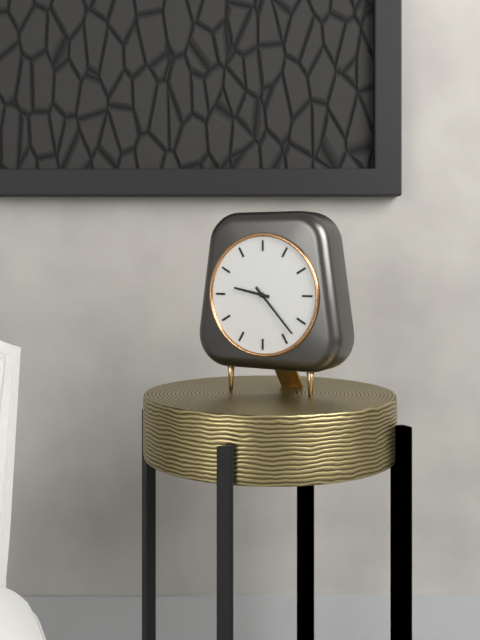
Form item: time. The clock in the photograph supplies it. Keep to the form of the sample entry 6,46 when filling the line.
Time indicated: 9,23
